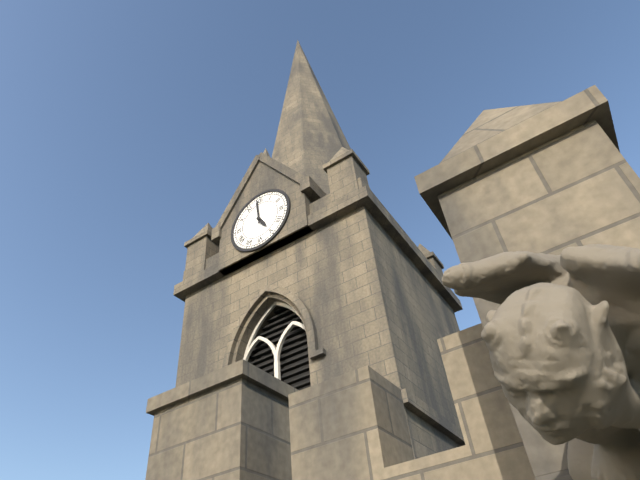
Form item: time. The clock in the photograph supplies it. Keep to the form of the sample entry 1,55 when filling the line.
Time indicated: 4,59
